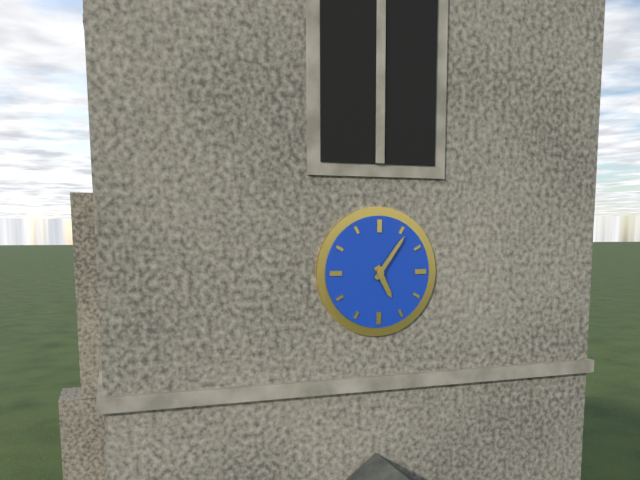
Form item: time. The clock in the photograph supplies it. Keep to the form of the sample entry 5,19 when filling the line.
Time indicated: 5,06
